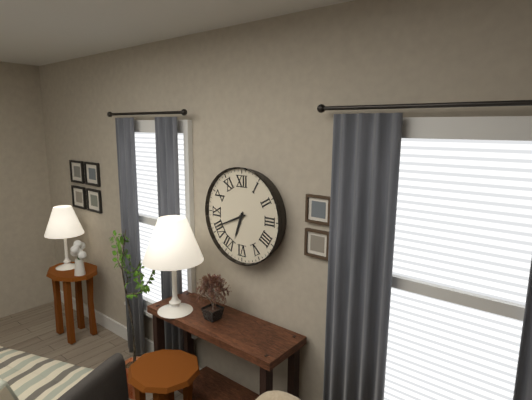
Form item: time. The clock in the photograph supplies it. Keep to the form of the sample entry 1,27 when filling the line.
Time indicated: 6,41
